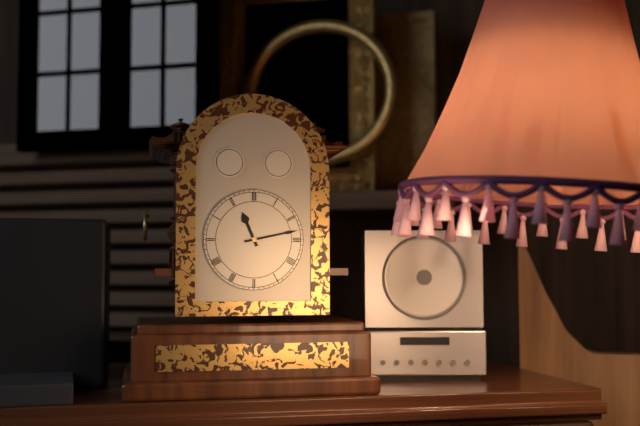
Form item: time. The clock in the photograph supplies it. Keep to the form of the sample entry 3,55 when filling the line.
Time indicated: 11,13
